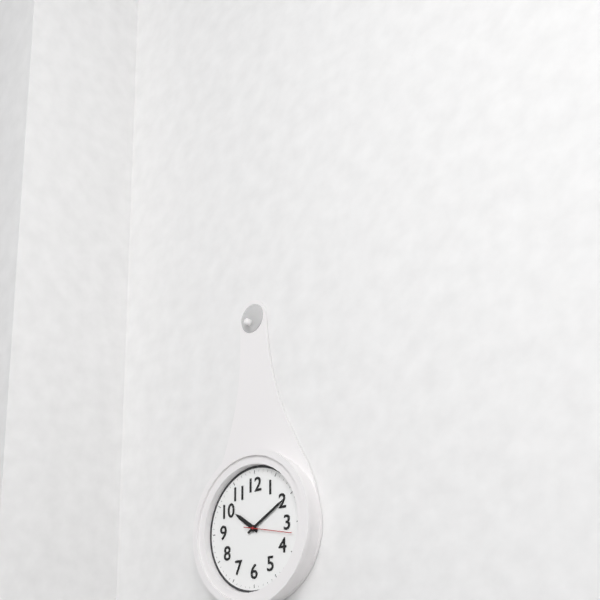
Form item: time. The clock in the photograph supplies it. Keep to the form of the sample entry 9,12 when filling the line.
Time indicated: 10,10
